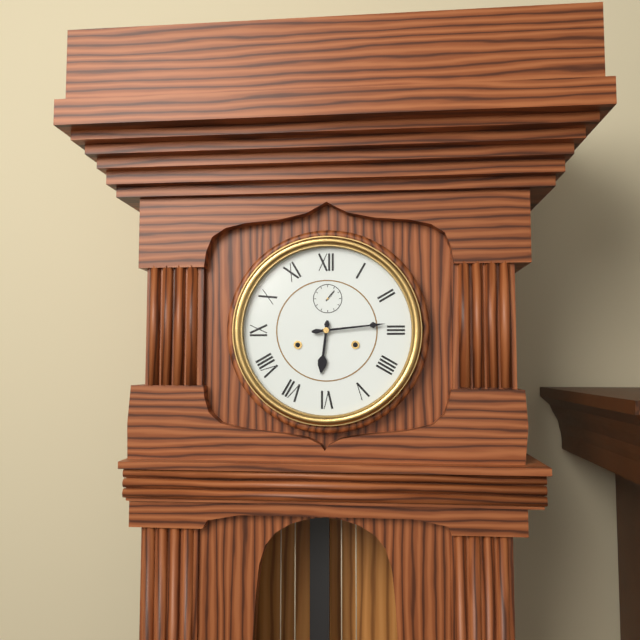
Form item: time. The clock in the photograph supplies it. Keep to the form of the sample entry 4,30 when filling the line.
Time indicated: 6,14
